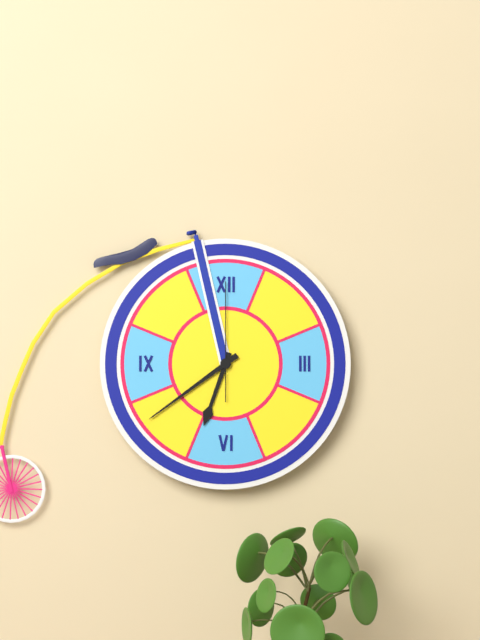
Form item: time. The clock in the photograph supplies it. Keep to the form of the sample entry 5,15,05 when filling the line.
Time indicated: 6,39,00
